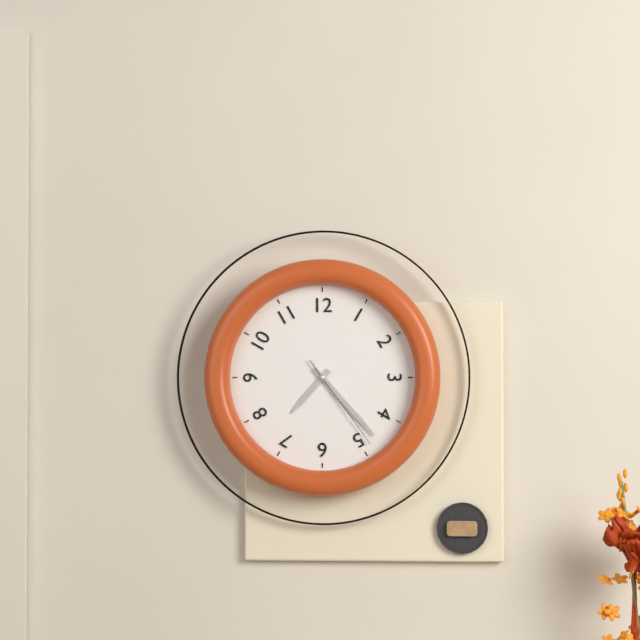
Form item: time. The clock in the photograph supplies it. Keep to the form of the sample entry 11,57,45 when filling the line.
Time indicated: 7,23,24
